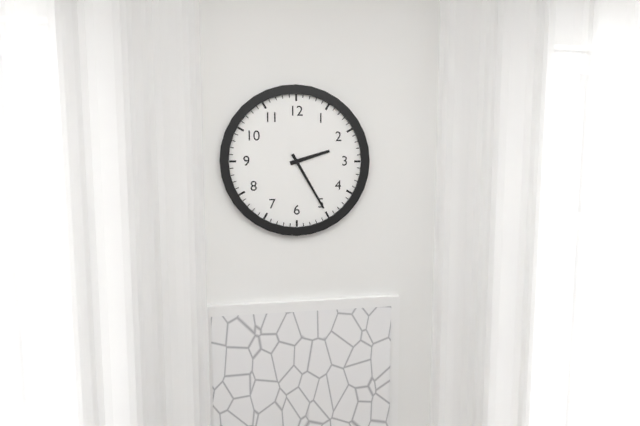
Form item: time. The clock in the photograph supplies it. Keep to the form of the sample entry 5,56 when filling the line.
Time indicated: 2,25
